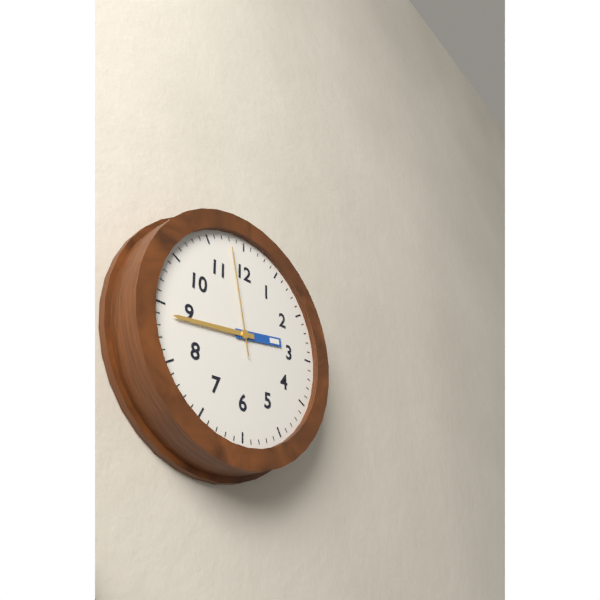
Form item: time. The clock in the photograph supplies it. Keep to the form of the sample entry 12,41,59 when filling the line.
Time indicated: 2,44,58
